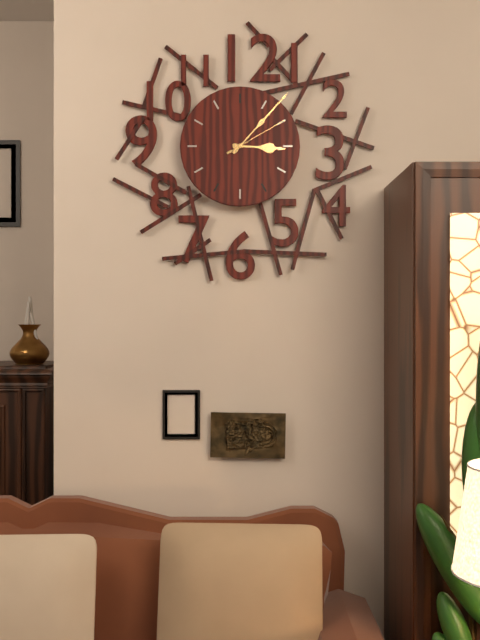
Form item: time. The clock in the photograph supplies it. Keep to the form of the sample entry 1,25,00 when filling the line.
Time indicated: 3,07,10
